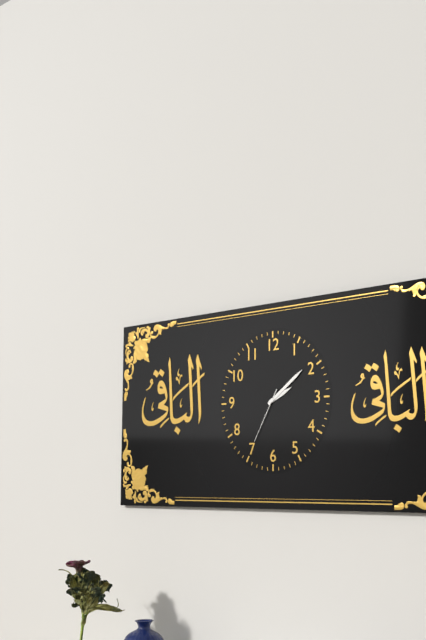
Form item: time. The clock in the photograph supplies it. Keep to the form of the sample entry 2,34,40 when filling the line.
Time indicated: 2,09,35
